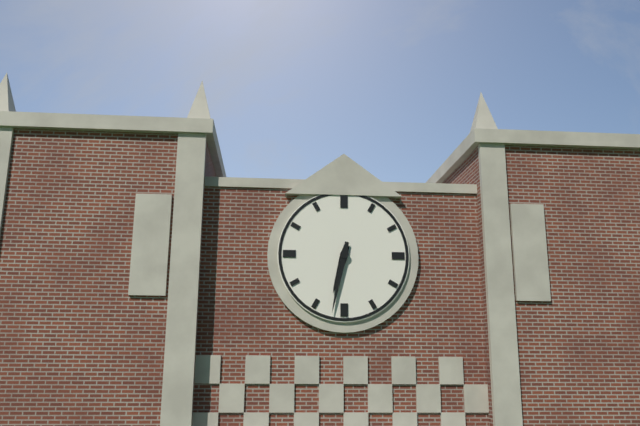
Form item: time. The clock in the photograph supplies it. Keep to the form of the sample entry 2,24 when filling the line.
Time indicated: 6,32
